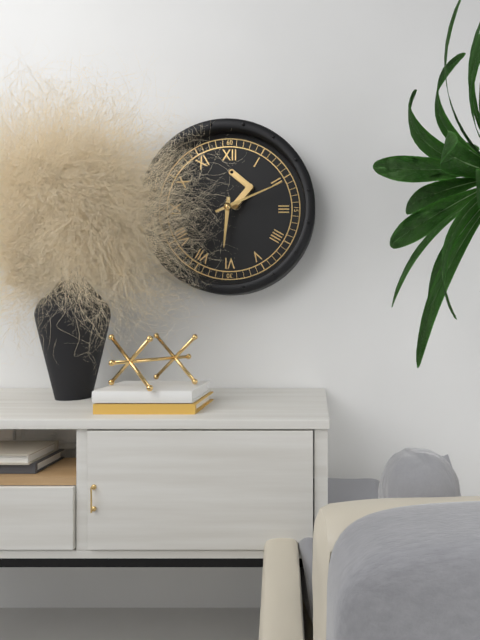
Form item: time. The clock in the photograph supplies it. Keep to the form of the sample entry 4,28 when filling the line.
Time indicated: 6,11
